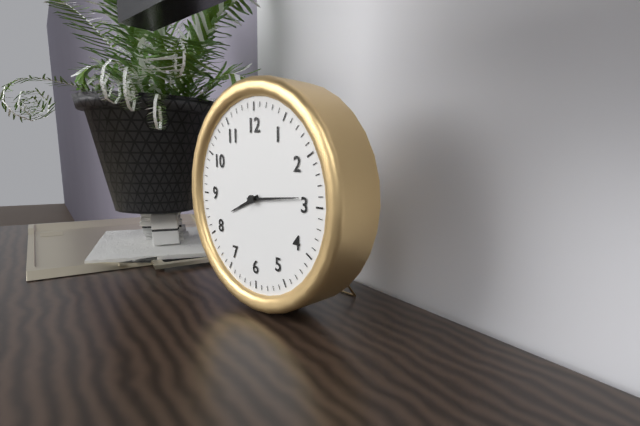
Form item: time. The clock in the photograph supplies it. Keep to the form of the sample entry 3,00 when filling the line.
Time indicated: 8,14
